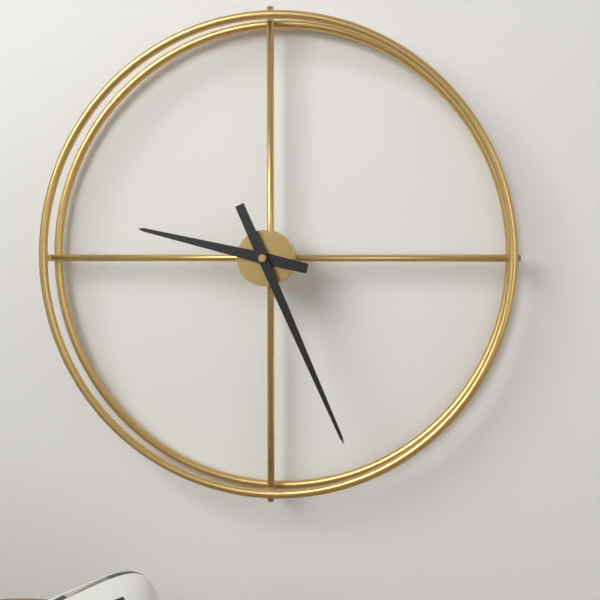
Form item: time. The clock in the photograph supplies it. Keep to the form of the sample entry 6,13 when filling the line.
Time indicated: 9,26
